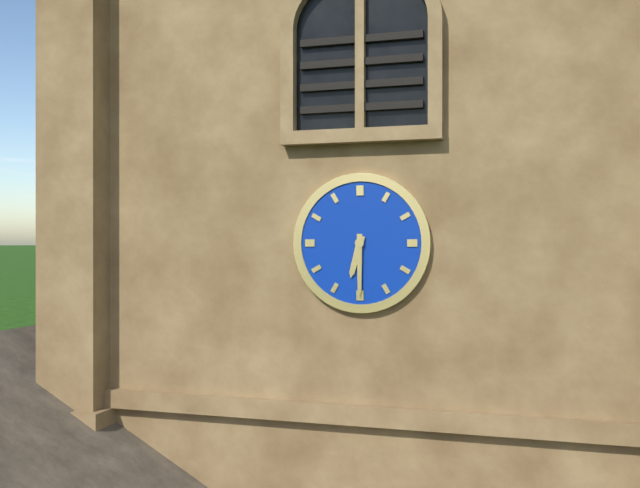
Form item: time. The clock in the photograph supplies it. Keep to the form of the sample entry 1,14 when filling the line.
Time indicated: 6,30
